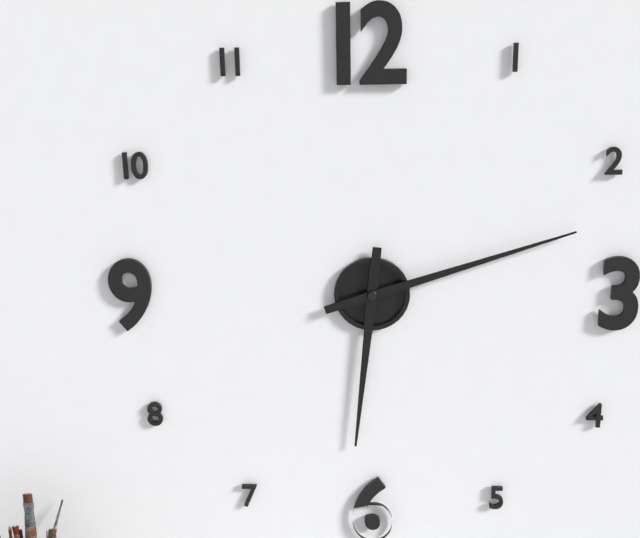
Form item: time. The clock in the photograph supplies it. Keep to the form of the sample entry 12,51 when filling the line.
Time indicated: 6,12
